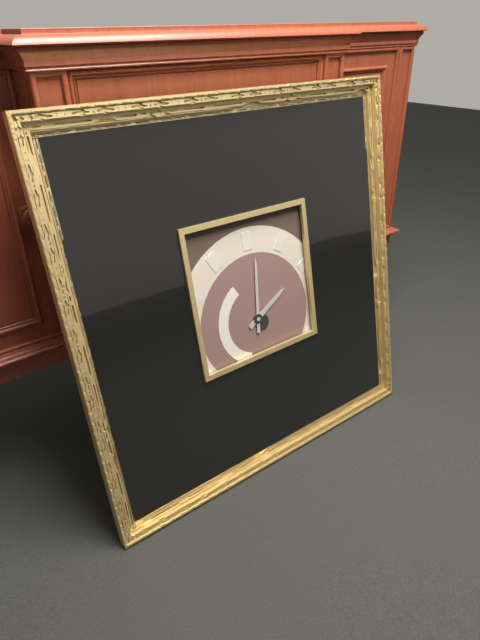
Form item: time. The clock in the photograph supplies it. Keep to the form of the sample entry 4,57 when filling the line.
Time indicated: 2,01
